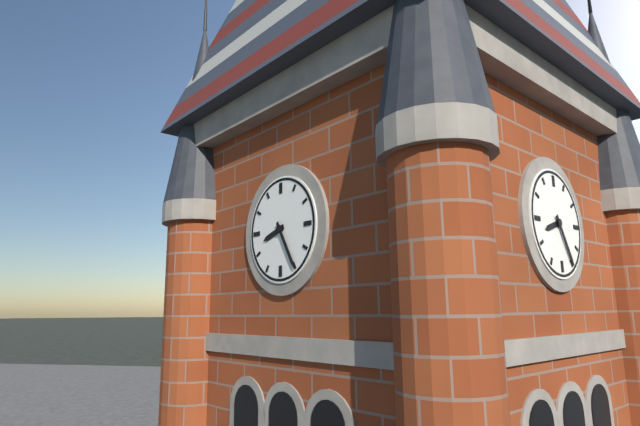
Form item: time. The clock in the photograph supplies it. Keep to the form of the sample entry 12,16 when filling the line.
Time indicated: 8,25
